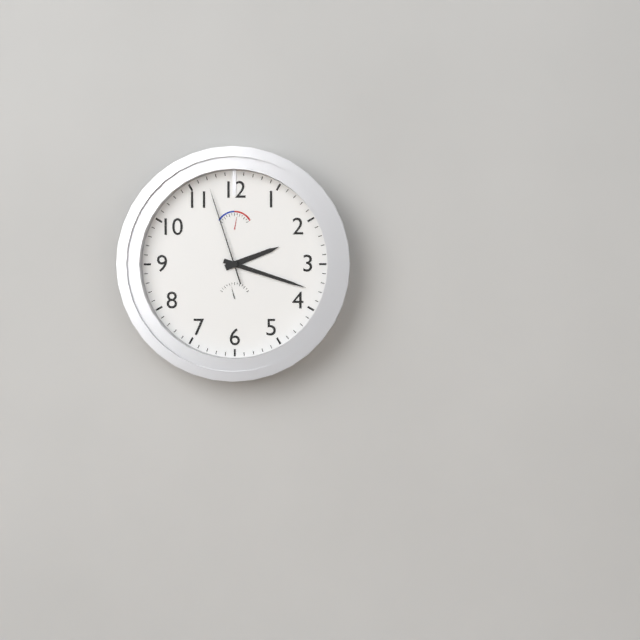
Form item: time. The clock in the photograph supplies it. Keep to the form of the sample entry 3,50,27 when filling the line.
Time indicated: 2,18,57
